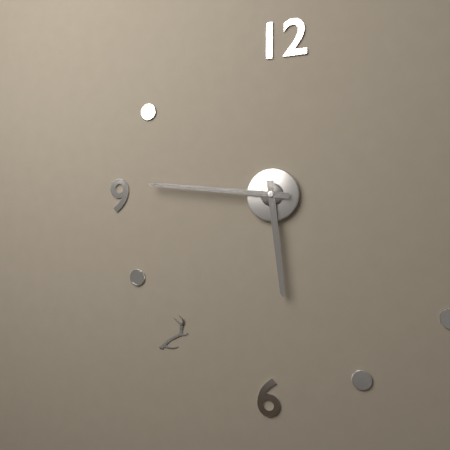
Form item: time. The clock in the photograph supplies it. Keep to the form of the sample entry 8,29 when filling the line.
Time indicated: 5,46
